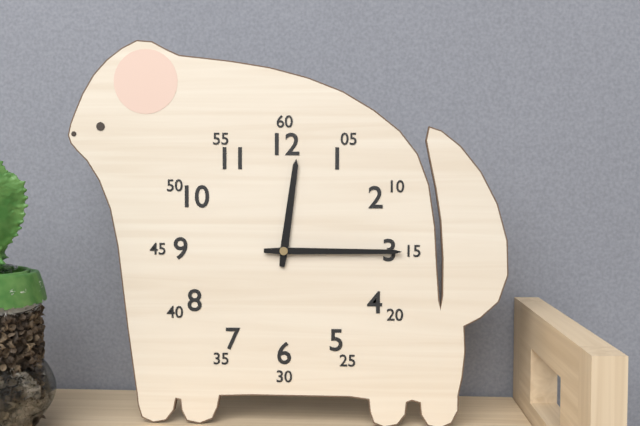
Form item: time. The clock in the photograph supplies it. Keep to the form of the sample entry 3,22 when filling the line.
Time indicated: 12,15
